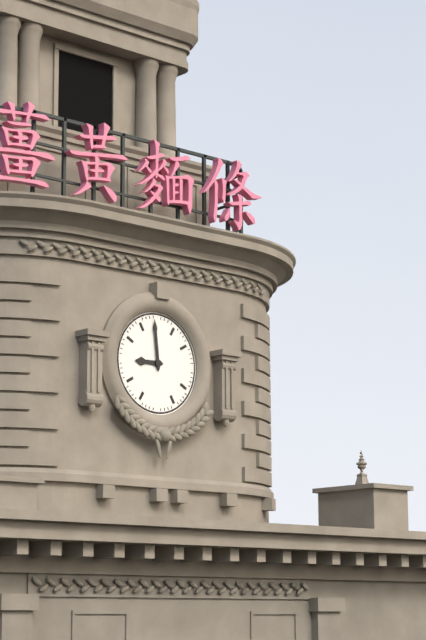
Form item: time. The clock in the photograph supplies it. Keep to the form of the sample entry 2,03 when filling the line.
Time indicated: 8,59
